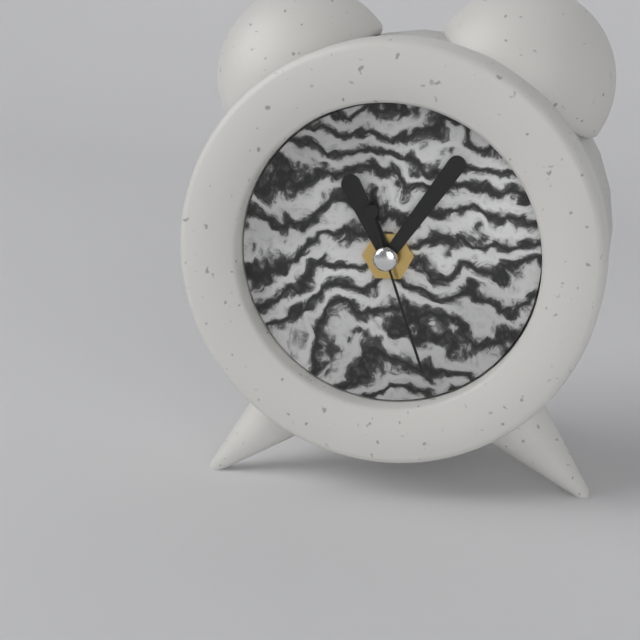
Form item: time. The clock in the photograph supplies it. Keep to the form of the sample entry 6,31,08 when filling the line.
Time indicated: 11,06,27
